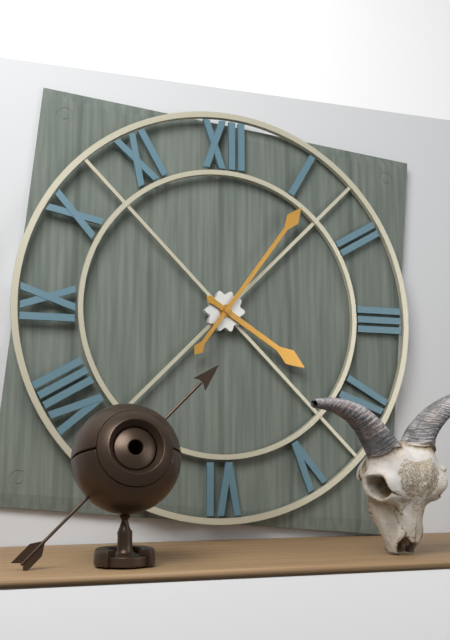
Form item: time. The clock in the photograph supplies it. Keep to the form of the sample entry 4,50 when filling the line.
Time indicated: 4,06
